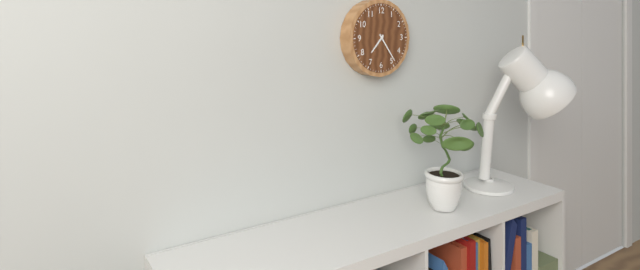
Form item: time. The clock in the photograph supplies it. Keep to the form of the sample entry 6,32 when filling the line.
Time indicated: 7,24
